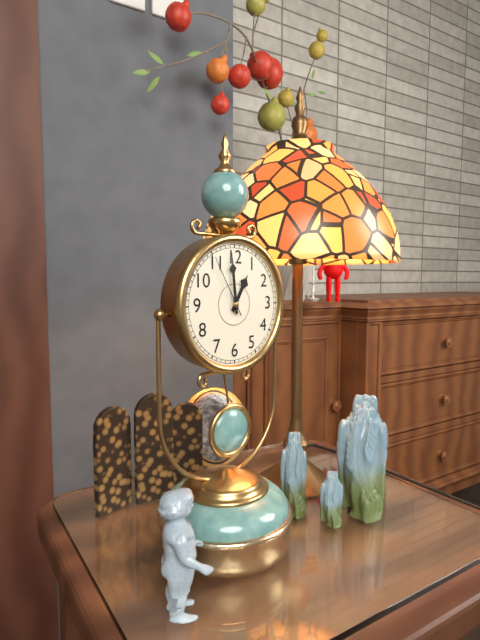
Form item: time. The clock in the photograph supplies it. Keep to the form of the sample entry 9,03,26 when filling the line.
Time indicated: 12,59,55
